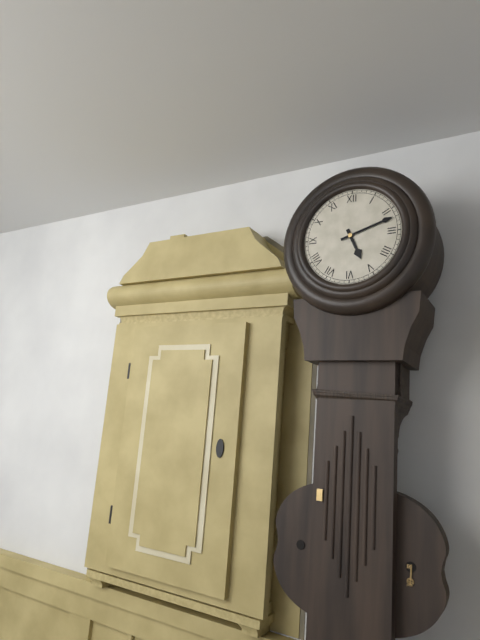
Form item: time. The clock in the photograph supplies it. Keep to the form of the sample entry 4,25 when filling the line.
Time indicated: 5,12
